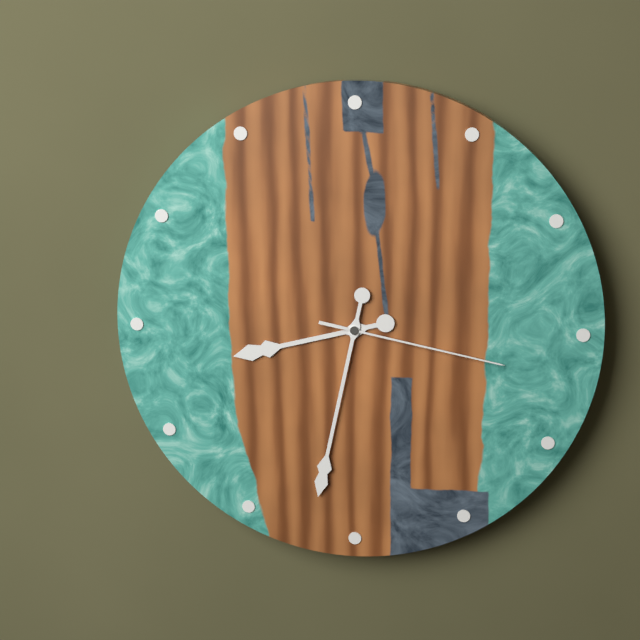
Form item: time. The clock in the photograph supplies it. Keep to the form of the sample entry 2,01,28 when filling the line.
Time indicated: 8,32,17
